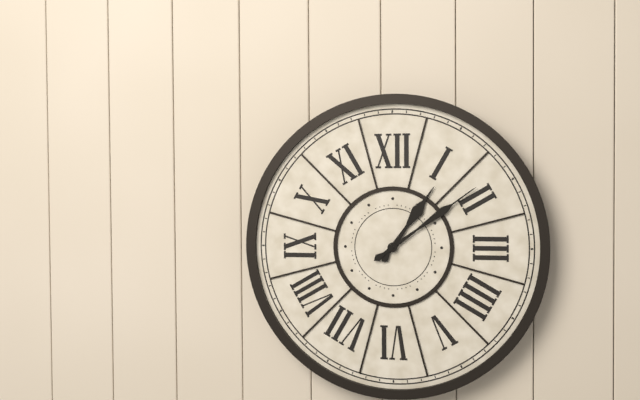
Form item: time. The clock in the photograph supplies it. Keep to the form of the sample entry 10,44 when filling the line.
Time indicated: 1,09
